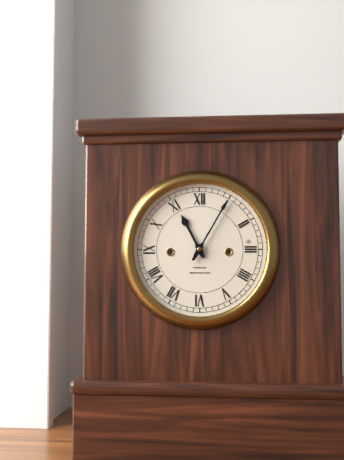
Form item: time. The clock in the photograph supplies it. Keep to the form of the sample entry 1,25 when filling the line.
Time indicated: 11,05
